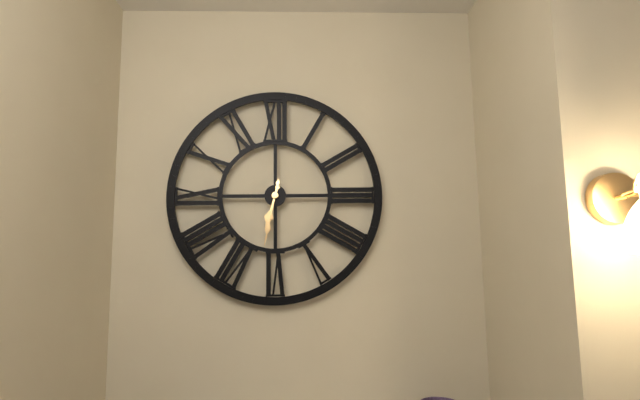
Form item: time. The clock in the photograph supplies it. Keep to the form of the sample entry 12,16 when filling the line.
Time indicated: 6,32
